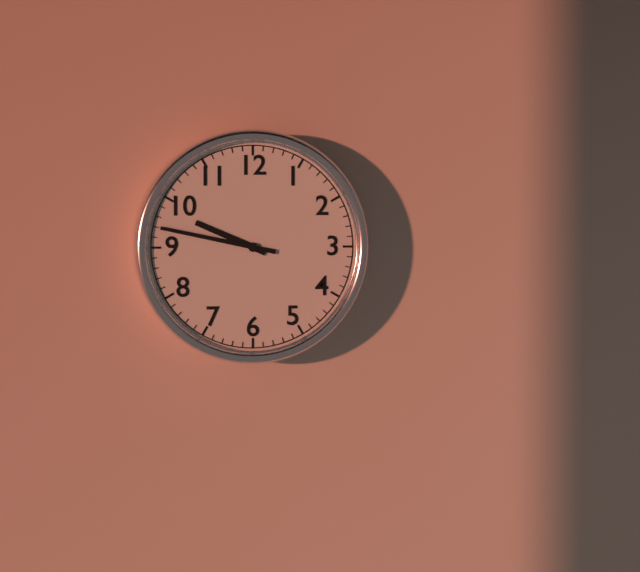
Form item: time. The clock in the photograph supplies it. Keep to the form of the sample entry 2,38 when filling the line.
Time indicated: 9,47
